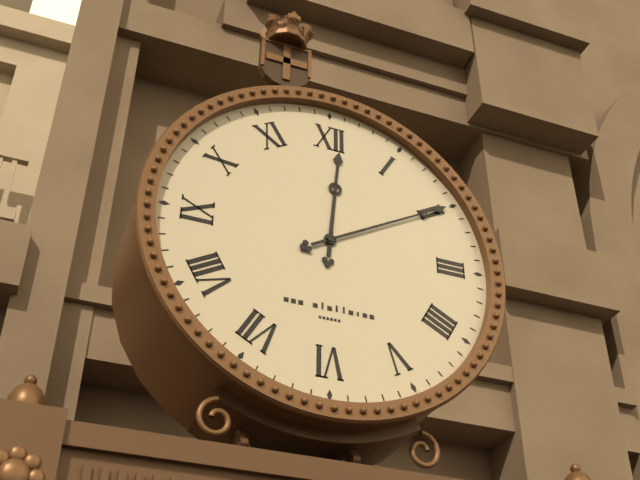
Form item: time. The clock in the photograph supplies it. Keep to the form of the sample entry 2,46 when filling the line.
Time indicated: 12,10
